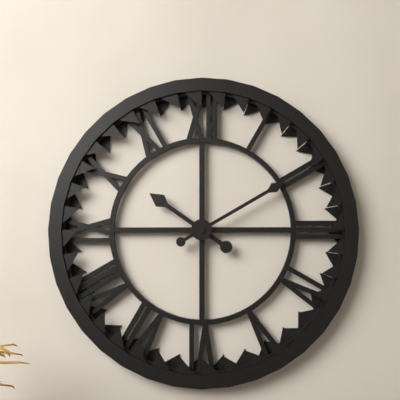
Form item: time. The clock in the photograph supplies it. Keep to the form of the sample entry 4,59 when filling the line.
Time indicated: 10,10
